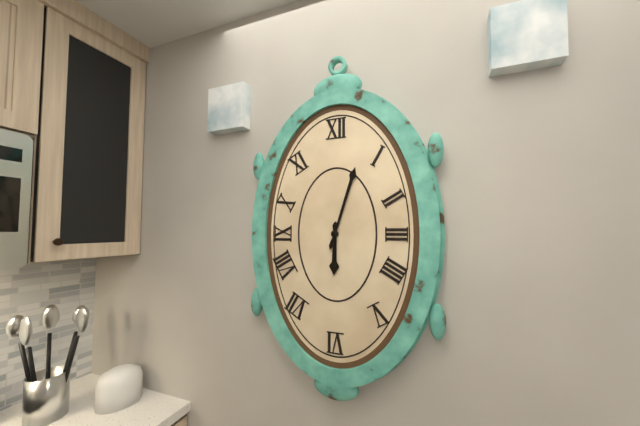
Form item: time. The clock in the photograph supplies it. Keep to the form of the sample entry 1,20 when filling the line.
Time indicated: 6,03
